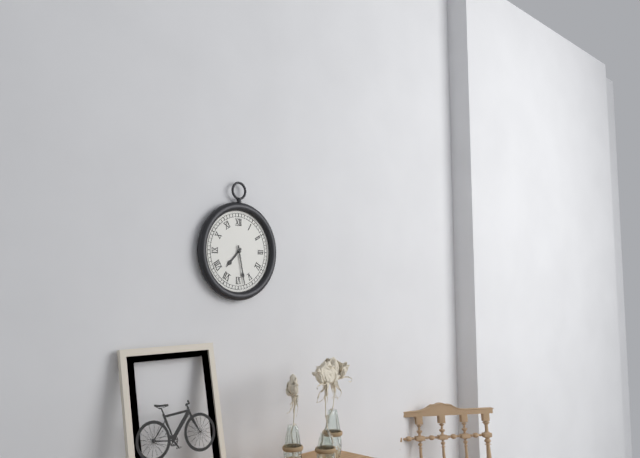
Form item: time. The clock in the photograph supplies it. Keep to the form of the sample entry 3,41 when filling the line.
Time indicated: 7,28
